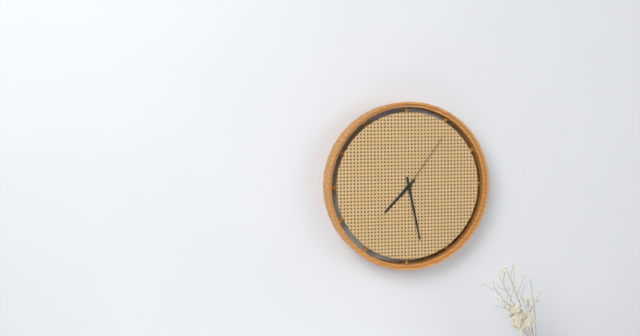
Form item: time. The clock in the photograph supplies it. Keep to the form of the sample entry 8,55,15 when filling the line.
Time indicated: 7,28,06
